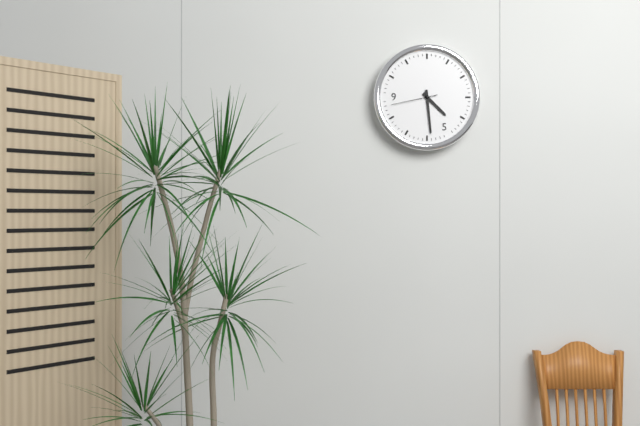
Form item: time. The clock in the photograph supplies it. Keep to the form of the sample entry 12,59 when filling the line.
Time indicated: 4,29
